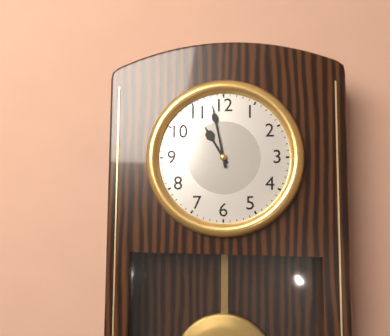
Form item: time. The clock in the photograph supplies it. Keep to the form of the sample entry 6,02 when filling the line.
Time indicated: 10,58
